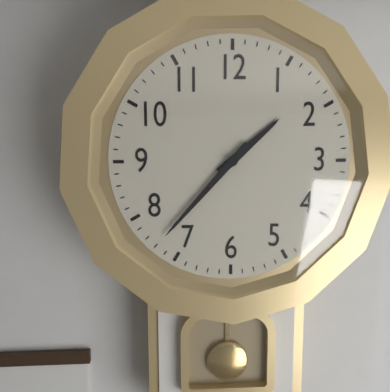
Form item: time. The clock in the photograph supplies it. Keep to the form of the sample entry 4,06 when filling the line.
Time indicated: 1,37
